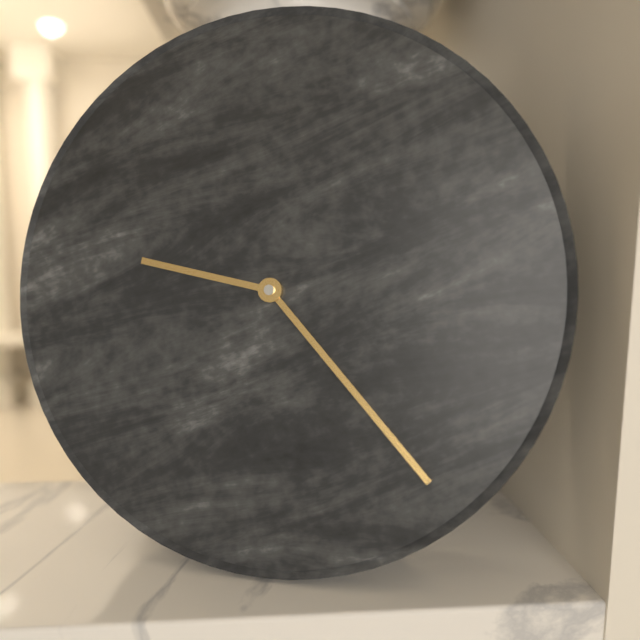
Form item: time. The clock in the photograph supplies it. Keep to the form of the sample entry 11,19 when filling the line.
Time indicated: 9,23
